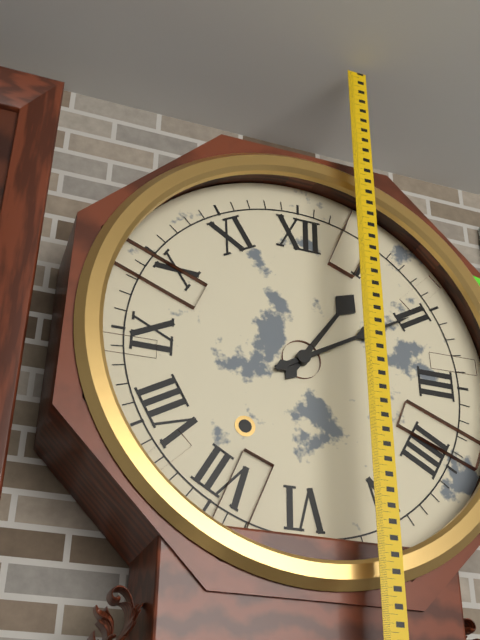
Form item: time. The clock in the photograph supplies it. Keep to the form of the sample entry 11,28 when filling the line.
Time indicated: 1,10
